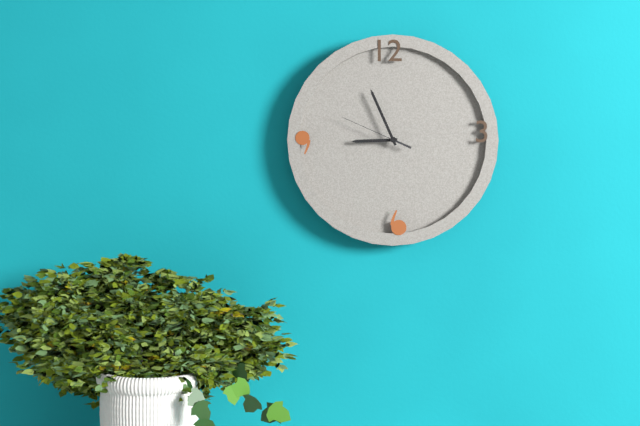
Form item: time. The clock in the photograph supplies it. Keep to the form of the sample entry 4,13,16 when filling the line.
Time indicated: 8,56,49
